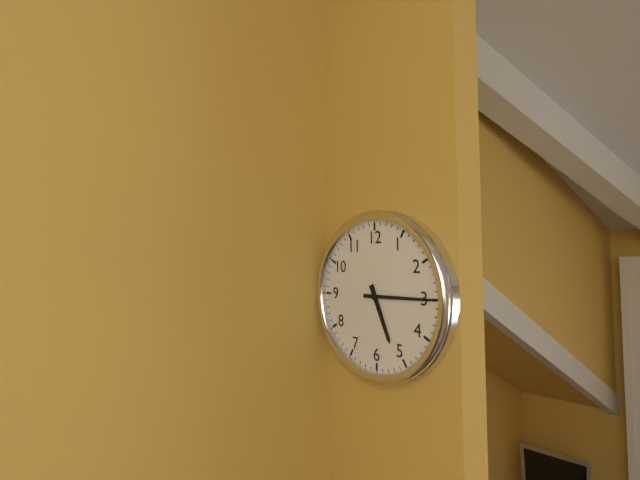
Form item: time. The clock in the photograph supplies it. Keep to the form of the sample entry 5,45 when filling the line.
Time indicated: 5,15
